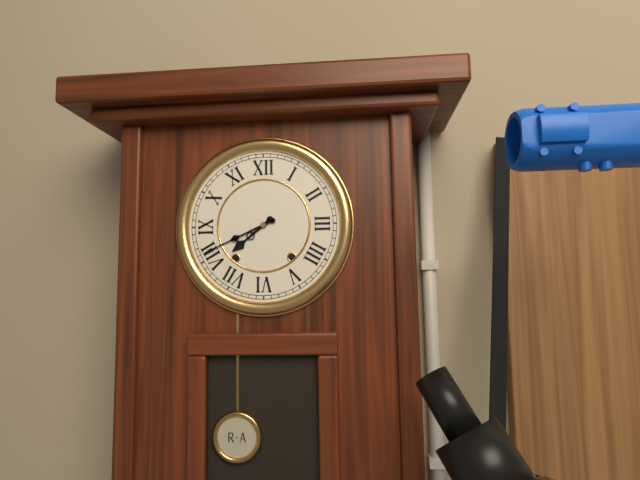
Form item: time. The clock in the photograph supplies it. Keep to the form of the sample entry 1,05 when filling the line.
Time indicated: 7,41
